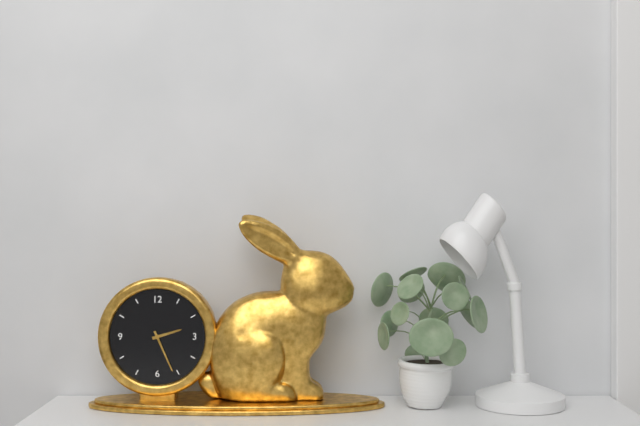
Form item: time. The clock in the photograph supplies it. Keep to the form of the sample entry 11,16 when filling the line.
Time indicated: 2,26
